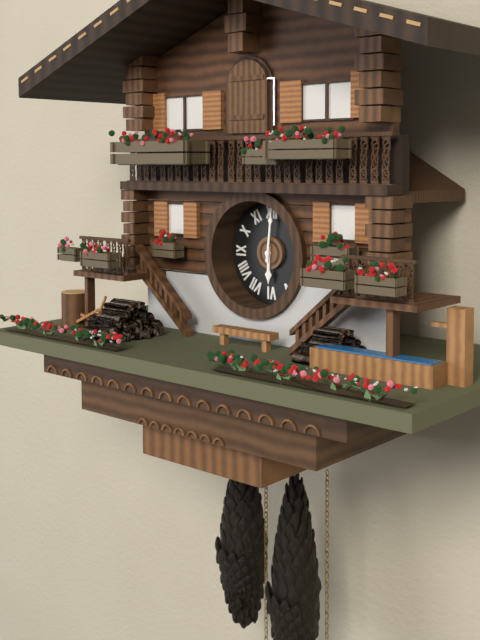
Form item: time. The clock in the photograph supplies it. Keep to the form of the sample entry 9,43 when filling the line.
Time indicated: 6,01
